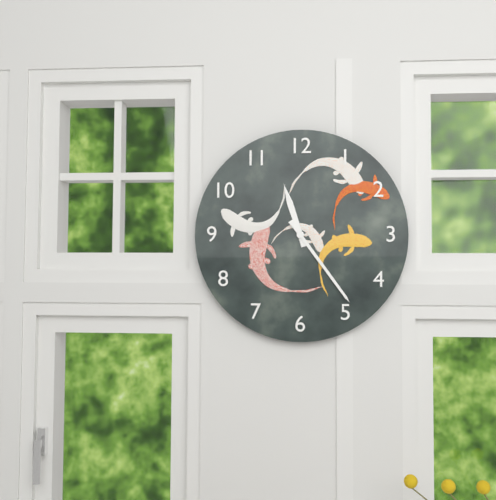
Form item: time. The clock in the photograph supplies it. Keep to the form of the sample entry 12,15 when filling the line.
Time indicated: 11,24
